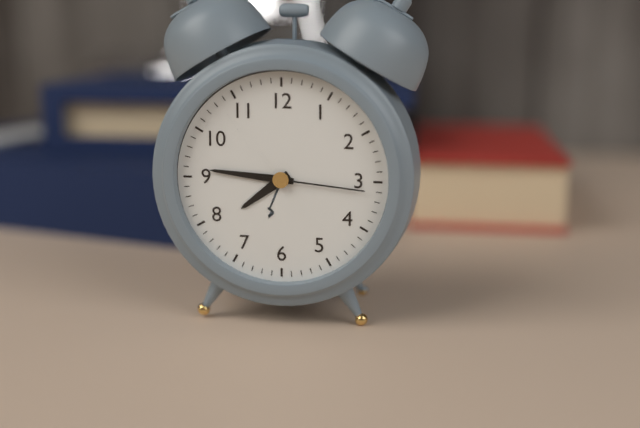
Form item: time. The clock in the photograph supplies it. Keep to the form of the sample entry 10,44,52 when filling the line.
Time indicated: 7,46,16
